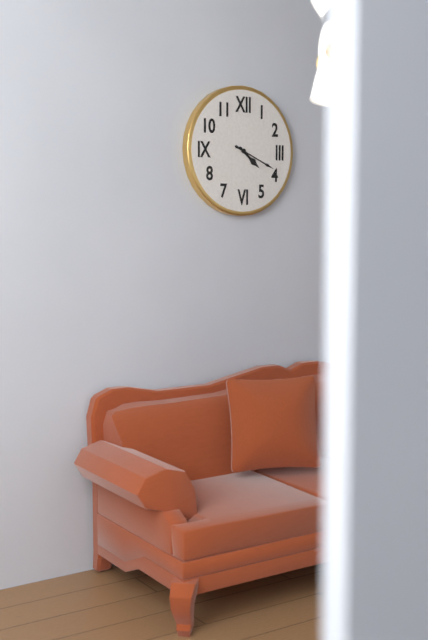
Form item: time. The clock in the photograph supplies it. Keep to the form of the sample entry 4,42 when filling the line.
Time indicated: 4,19
